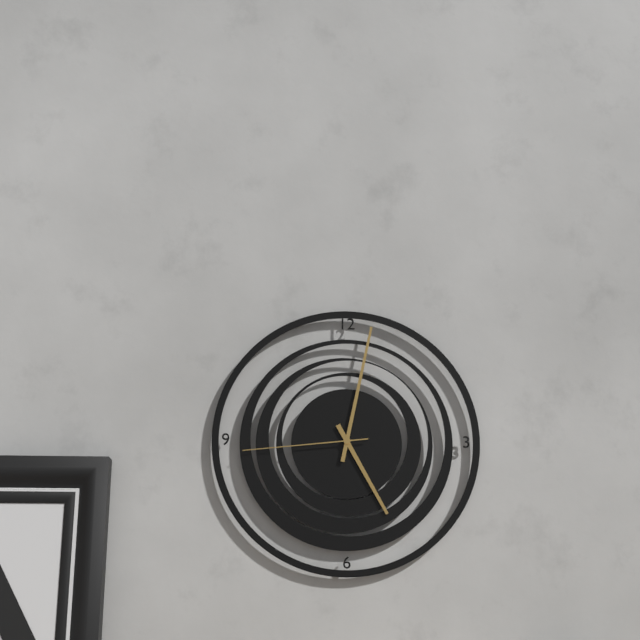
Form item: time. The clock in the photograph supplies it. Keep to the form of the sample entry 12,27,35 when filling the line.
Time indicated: 5,02,44
